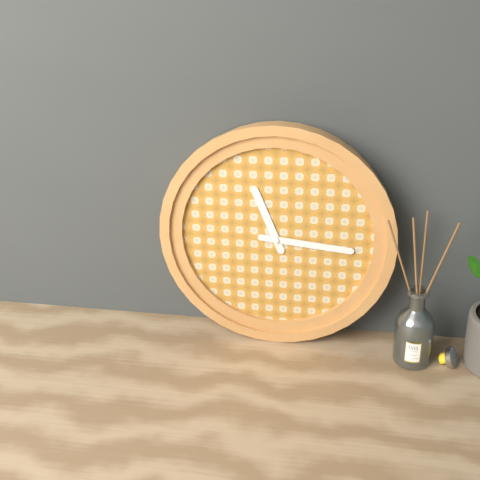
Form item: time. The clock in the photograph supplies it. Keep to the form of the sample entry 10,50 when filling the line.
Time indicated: 11,16
